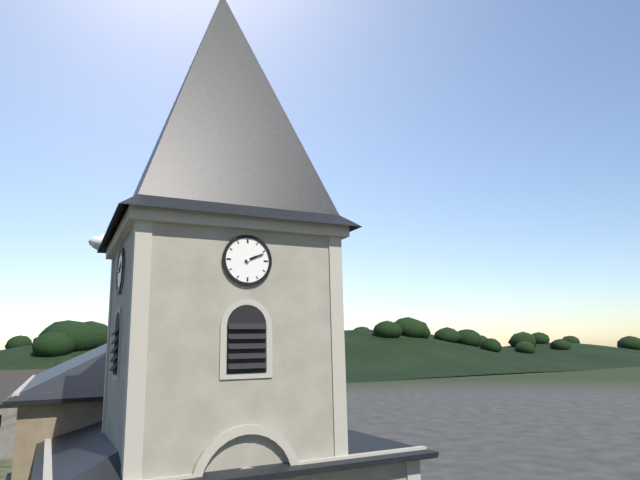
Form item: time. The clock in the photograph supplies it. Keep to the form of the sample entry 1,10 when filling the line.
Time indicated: 2,11
